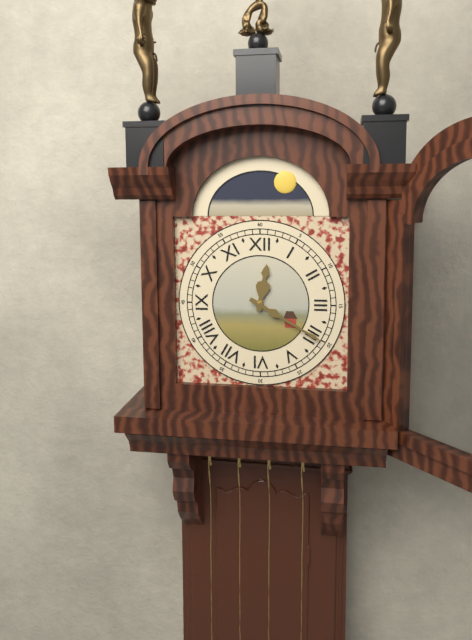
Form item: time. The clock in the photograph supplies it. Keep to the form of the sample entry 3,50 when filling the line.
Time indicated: 12,20
